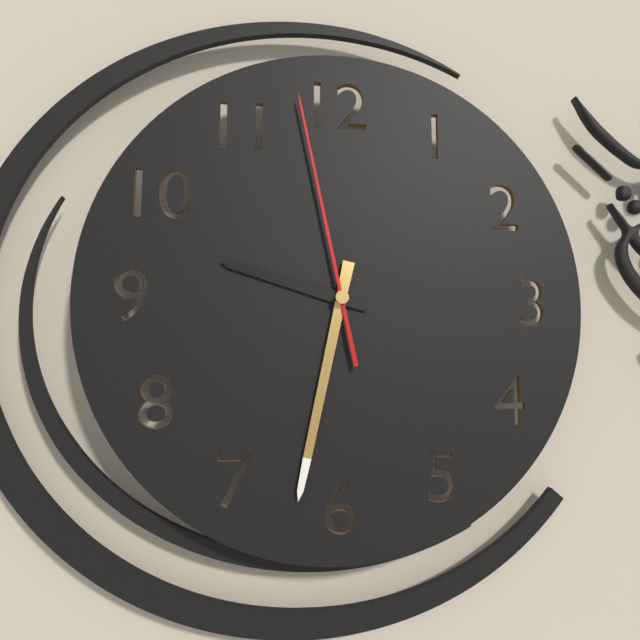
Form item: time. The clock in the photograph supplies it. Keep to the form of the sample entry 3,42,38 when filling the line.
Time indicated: 9,32,58
